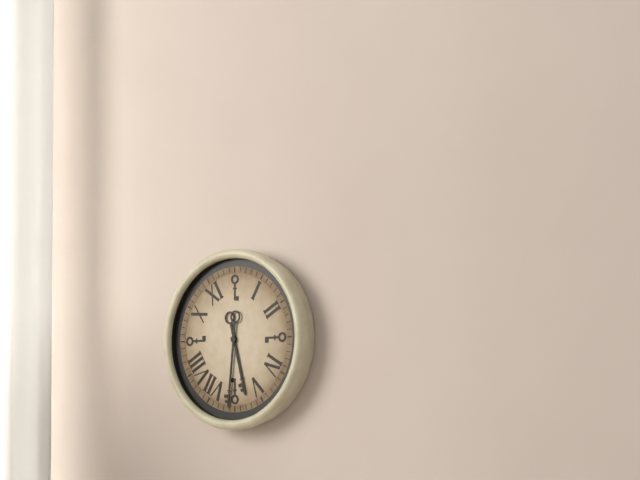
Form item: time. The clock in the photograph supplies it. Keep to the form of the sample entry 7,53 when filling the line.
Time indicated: 5,31
